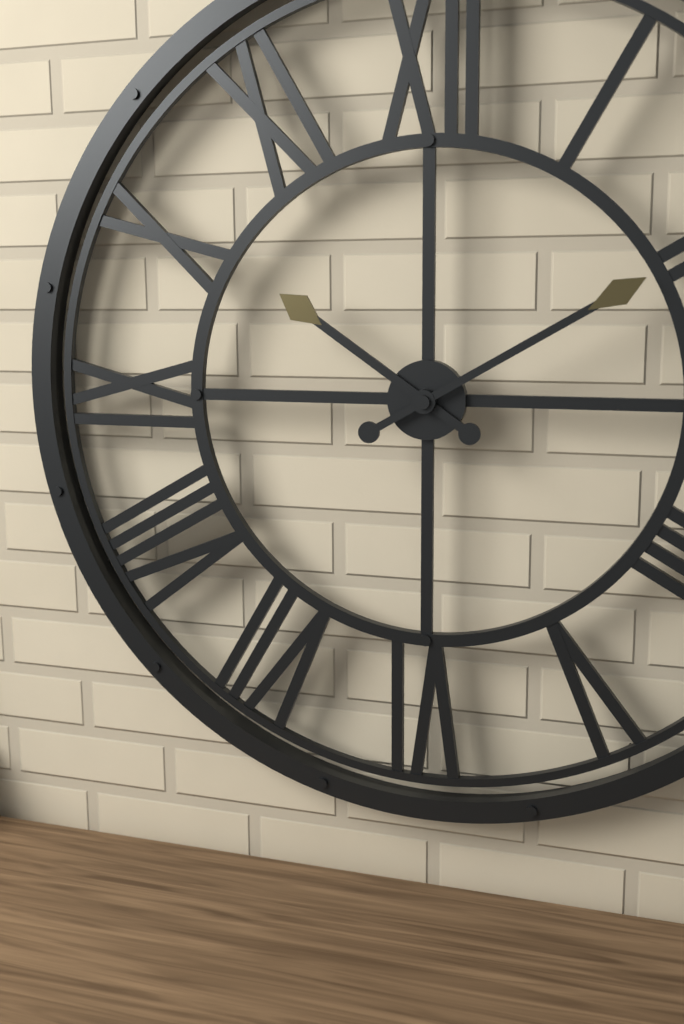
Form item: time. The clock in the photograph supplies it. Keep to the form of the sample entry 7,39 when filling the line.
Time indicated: 10,10
